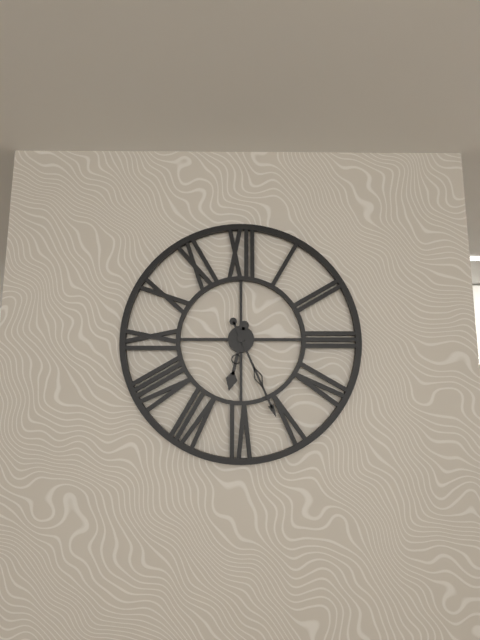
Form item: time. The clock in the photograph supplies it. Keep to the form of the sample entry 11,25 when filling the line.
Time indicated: 6,26
